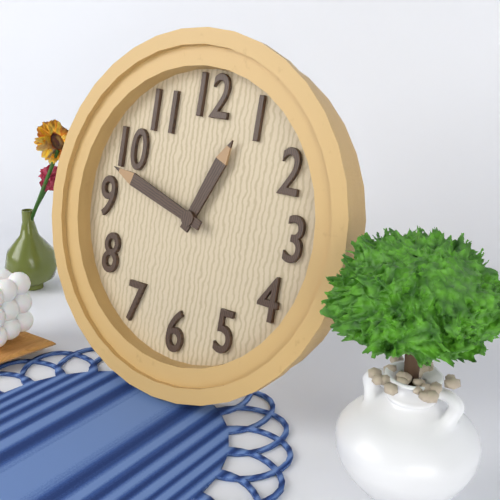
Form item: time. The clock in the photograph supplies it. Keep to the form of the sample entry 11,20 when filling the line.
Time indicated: 12,48
